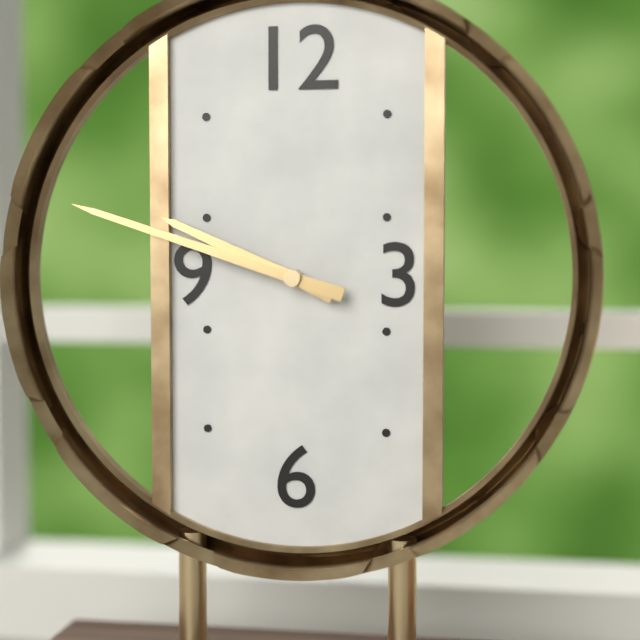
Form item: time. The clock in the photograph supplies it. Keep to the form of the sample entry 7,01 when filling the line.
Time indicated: 9,48
